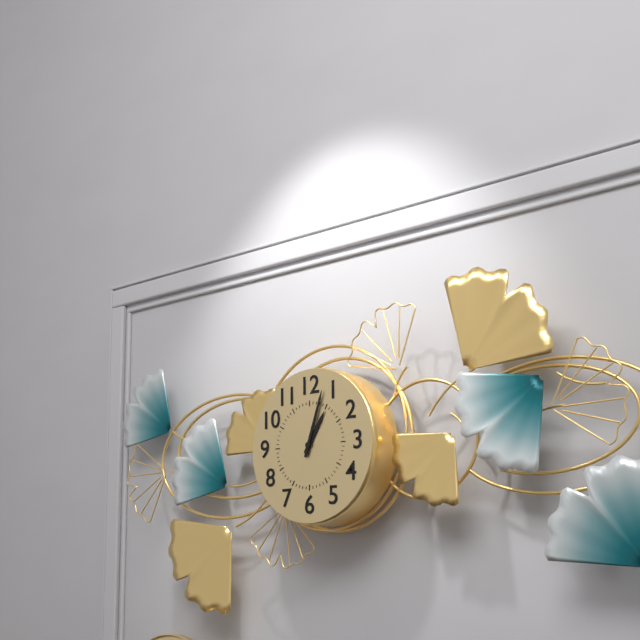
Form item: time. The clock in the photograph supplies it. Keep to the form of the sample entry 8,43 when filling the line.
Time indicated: 1,03
